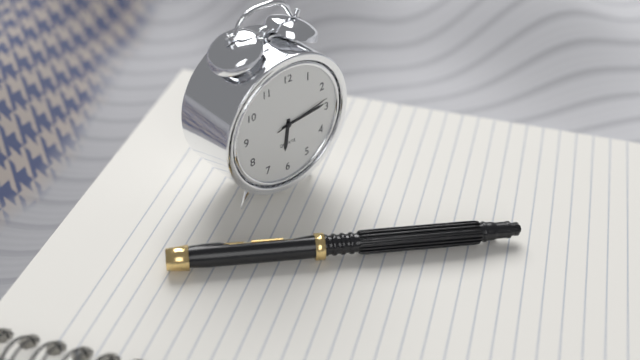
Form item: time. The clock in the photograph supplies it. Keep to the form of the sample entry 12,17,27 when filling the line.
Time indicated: 6,14,13
